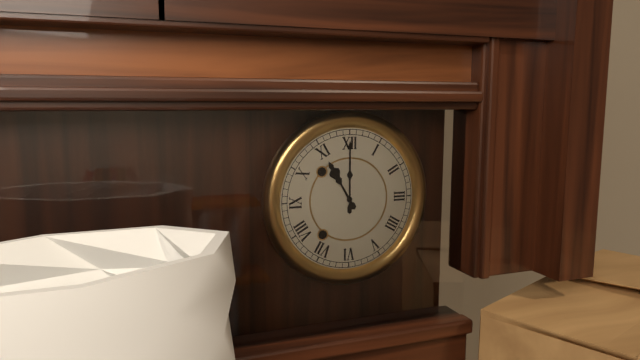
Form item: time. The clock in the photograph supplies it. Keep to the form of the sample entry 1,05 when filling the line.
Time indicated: 11,00
